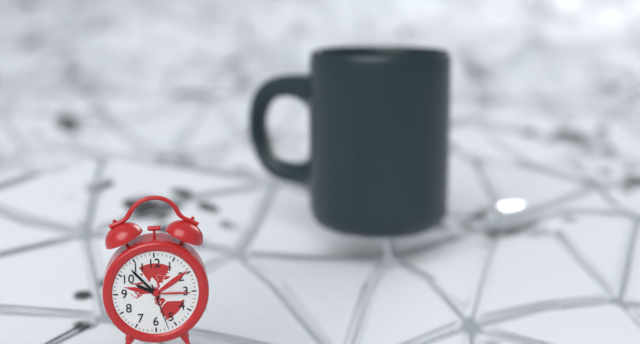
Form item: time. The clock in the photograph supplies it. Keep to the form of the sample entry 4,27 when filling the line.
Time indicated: 9,53
